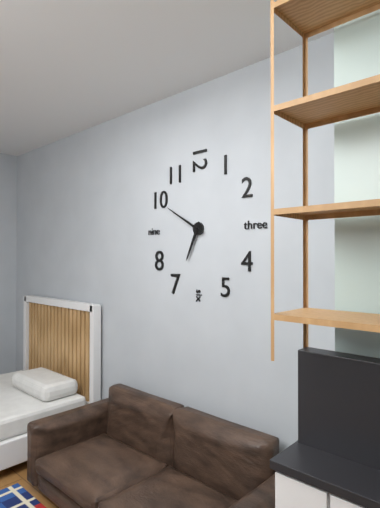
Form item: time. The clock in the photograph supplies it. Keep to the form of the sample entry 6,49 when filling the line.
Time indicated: 6,50
